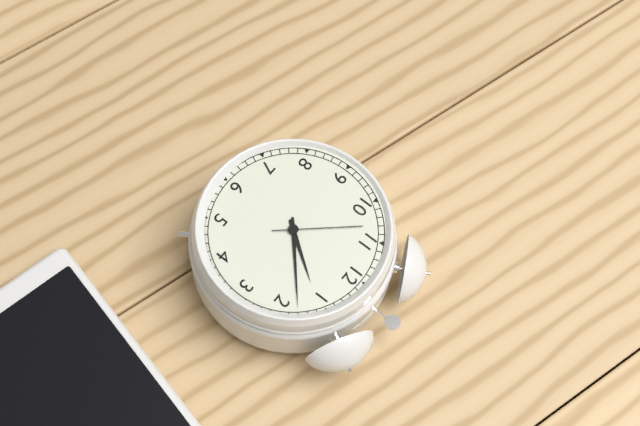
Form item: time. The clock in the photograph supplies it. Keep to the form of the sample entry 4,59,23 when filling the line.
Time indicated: 1,08,53
